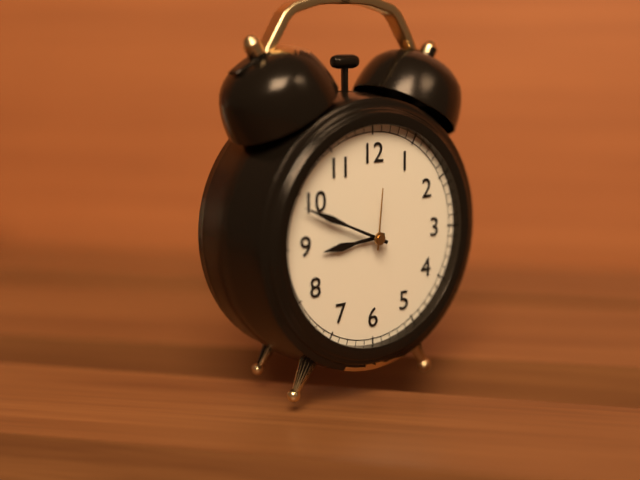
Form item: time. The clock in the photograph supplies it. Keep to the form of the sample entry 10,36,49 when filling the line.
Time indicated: 8,49,01
